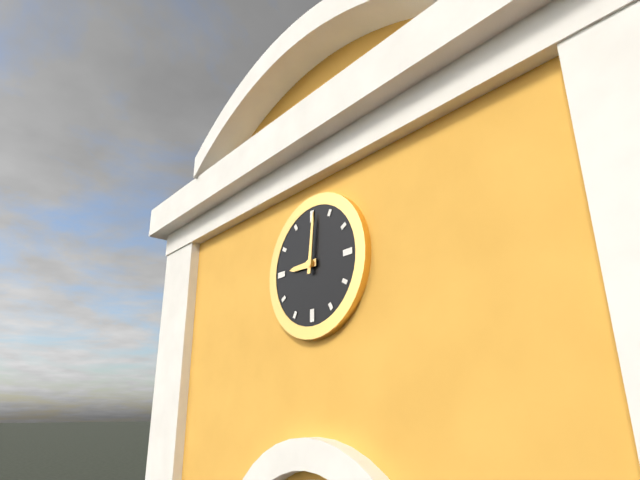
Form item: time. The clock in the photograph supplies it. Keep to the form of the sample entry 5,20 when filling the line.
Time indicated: 9,01
